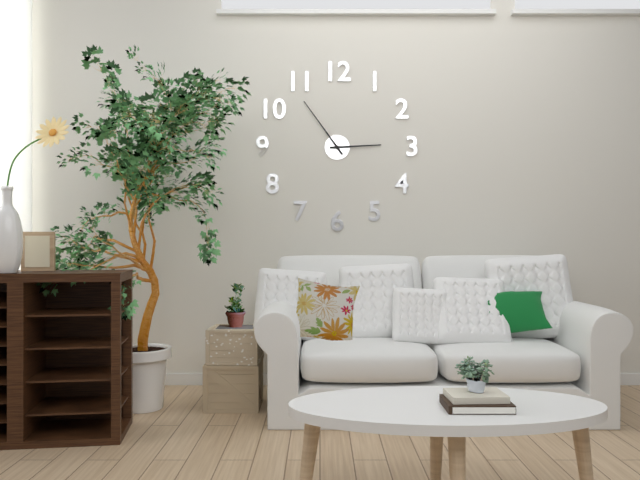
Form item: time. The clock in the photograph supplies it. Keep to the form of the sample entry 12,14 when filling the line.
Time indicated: 2,54
